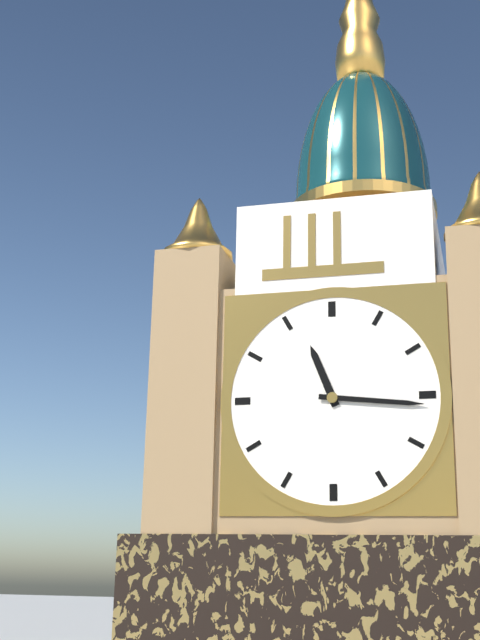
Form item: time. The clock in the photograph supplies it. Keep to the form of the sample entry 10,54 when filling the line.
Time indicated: 11,16
